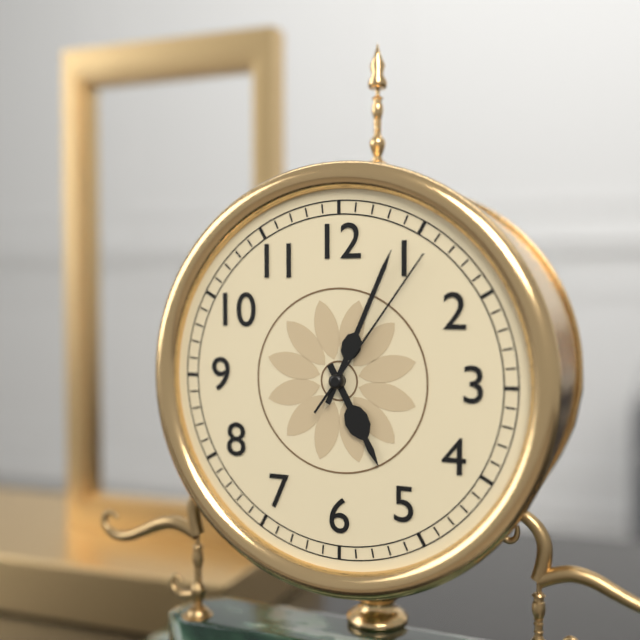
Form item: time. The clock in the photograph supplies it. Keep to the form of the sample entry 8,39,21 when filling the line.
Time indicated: 5,04,06
